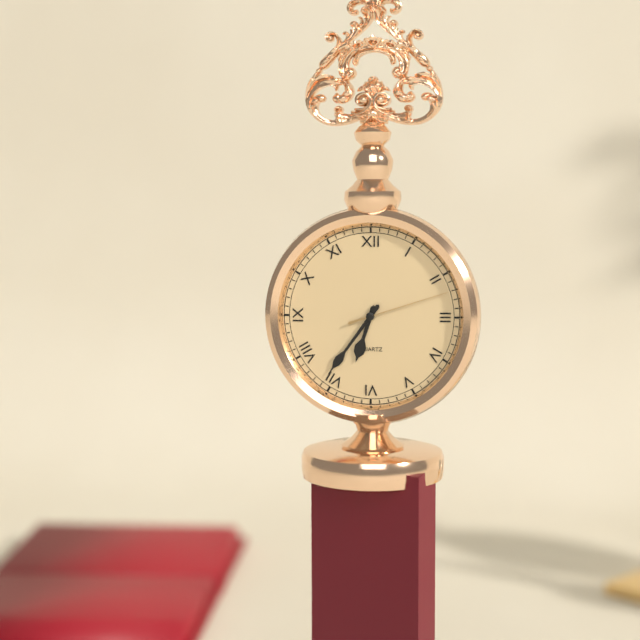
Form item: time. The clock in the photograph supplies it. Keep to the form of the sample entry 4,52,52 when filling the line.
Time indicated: 6,36,12
